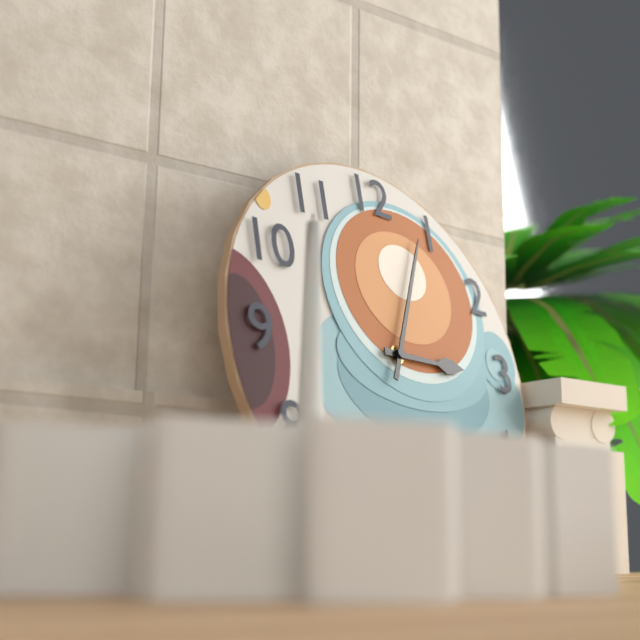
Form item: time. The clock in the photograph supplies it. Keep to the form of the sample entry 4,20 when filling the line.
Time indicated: 3,04
